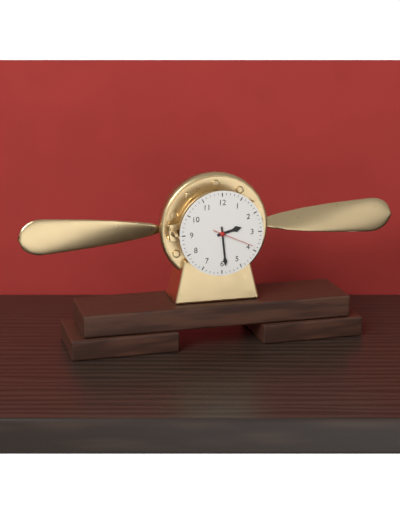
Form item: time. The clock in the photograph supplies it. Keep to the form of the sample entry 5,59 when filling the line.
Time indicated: 2,29
